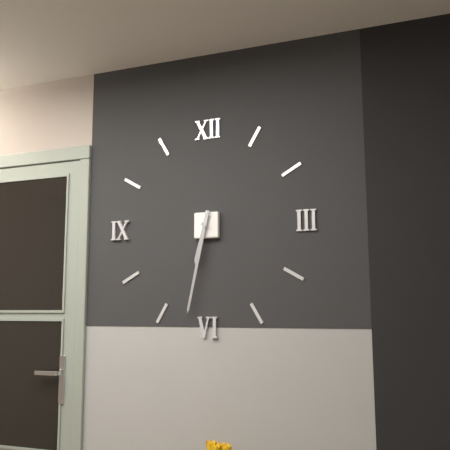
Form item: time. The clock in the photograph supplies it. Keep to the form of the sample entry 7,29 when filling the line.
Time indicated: 6,32
